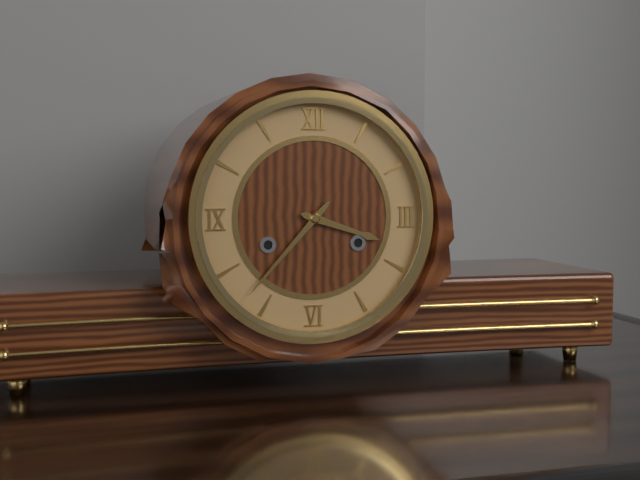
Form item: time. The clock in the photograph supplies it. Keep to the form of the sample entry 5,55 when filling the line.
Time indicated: 3,37
